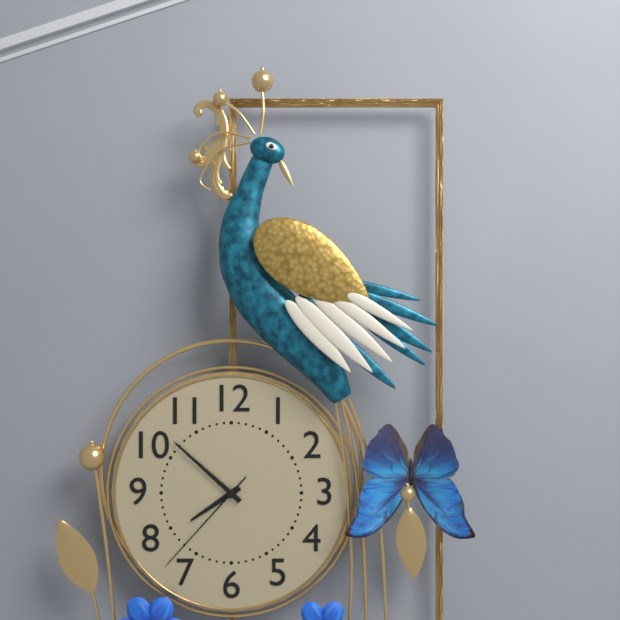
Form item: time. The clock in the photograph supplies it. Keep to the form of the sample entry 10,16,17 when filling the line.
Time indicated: 7,52,37
